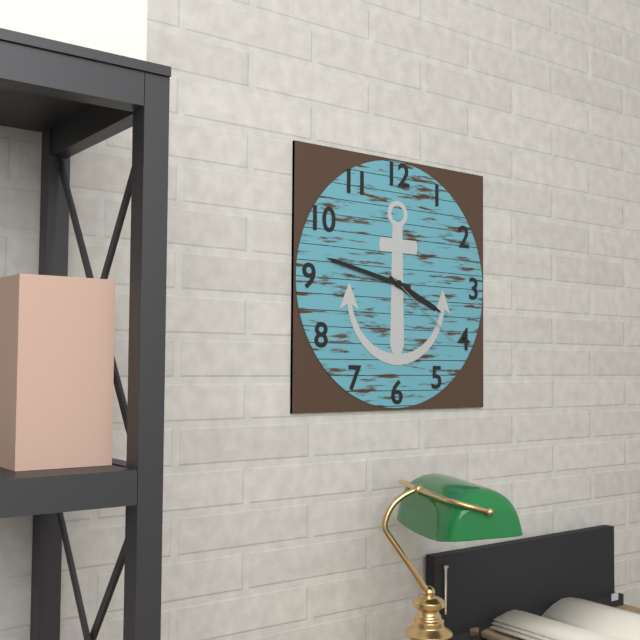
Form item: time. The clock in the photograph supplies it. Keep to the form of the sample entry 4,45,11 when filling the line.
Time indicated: 3,47,21
